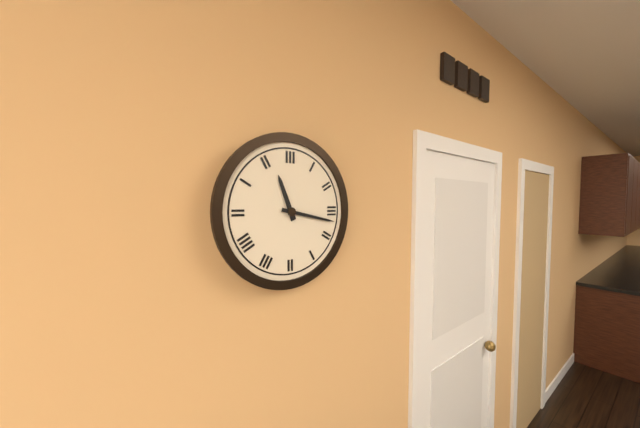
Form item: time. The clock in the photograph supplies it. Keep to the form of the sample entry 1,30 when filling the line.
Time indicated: 11,17
